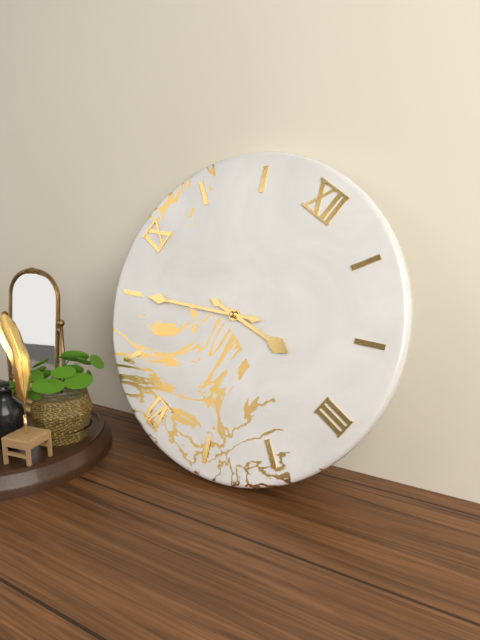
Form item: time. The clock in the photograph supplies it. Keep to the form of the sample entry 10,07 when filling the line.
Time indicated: 2,40
